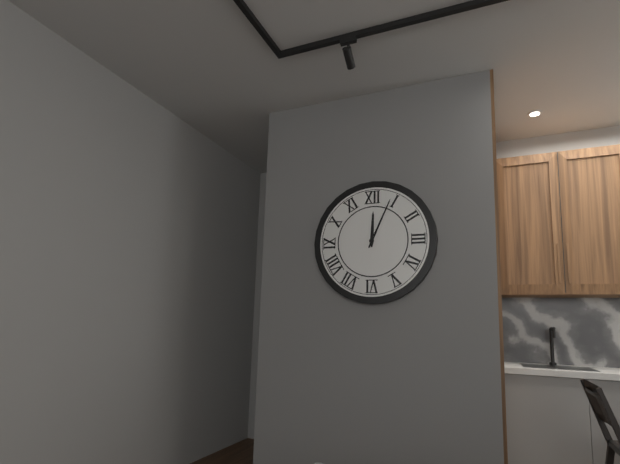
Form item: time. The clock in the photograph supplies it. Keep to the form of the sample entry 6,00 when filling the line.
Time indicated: 12,04
